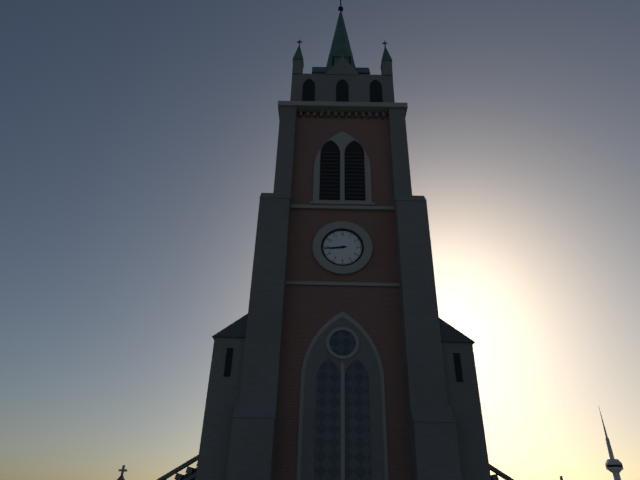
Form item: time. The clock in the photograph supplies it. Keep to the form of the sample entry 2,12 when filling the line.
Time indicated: 8,44
